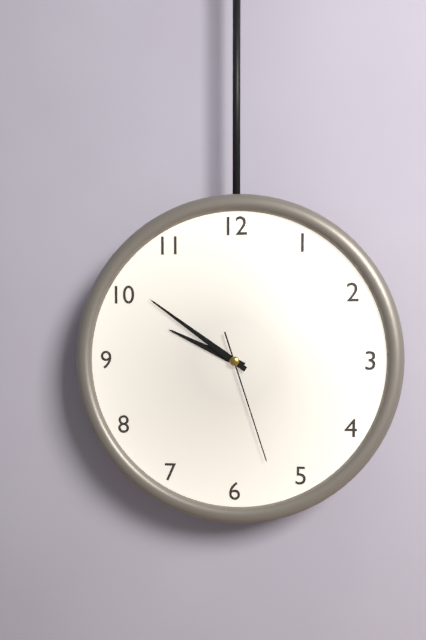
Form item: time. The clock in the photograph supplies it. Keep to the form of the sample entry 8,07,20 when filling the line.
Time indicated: 9,51,27
